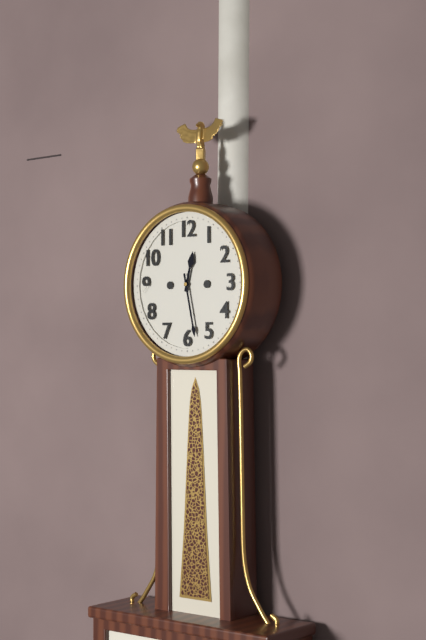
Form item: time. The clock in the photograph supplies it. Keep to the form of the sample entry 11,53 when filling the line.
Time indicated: 12,28
